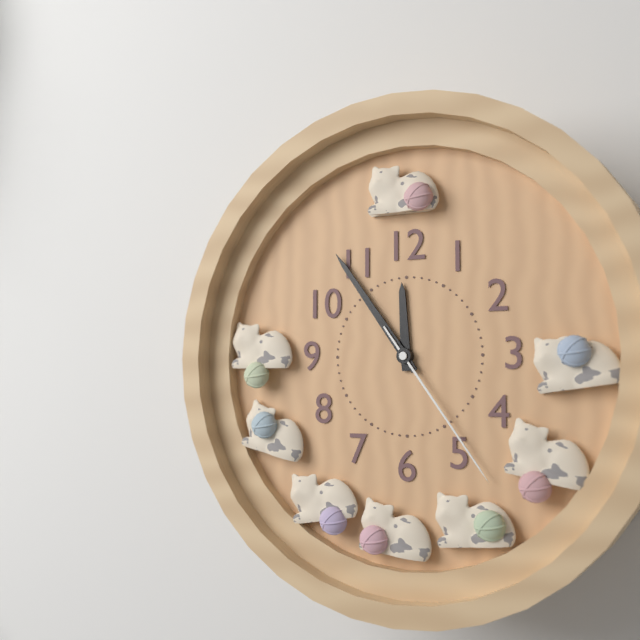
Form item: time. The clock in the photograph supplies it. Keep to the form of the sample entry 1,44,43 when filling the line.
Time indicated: 11,54,24
